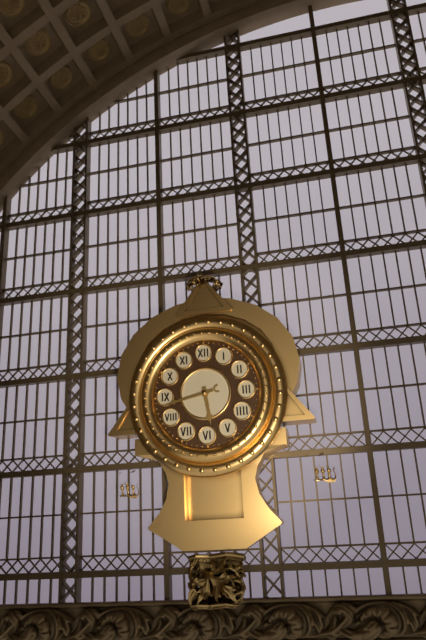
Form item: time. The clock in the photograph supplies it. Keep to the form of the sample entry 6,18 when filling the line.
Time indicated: 5,43
